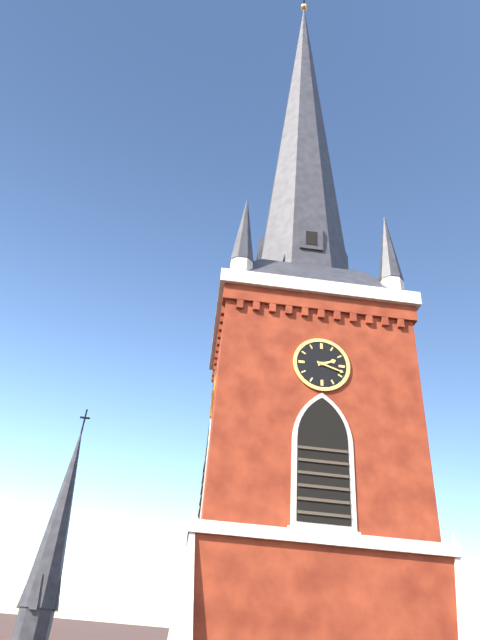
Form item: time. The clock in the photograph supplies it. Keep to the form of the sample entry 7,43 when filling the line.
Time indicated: 2,18
